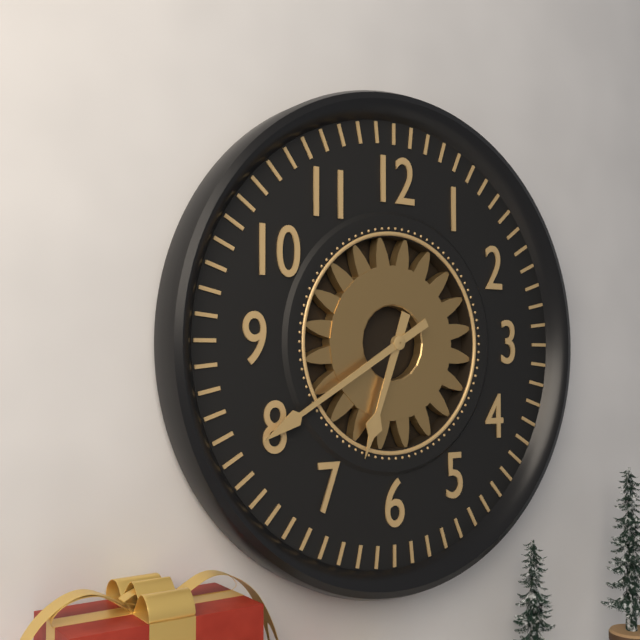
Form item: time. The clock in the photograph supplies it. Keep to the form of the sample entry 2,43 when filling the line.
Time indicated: 6,40
